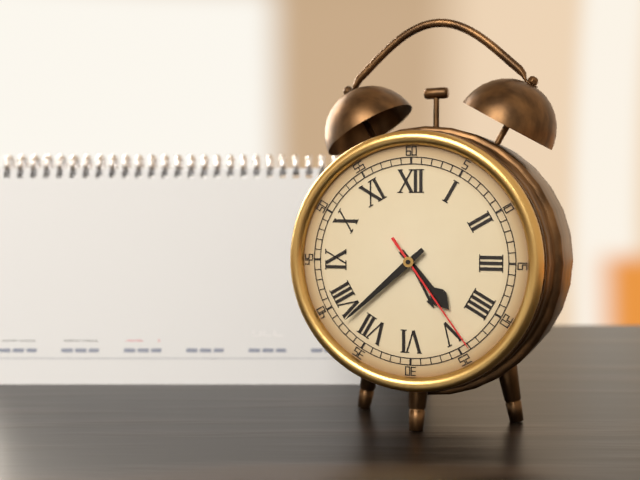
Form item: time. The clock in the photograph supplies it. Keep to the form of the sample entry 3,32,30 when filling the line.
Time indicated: 4,38,24
